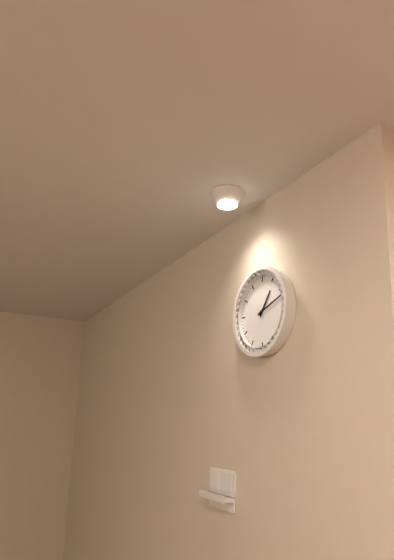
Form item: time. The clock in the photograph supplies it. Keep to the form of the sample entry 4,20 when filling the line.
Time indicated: 1,12
